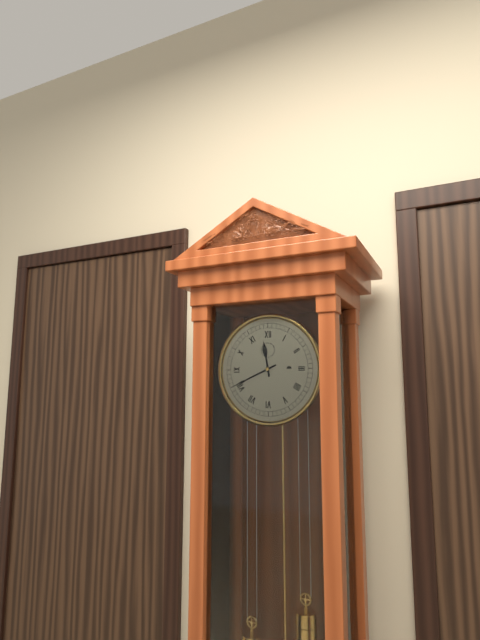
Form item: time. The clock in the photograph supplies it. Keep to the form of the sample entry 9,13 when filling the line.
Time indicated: 11,41
